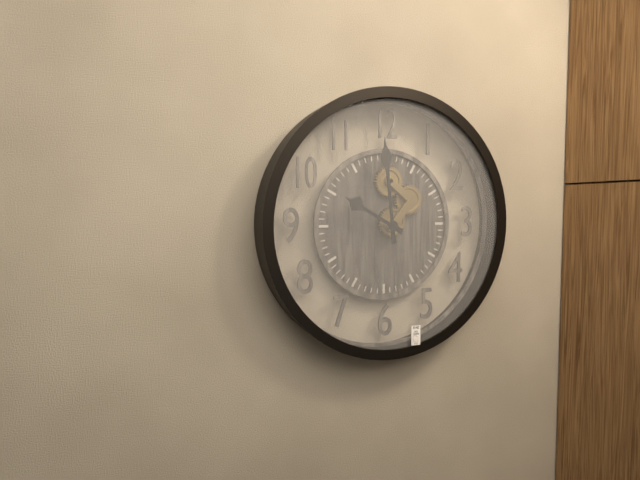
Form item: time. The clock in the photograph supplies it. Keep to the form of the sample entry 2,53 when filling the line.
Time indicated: 9,59
